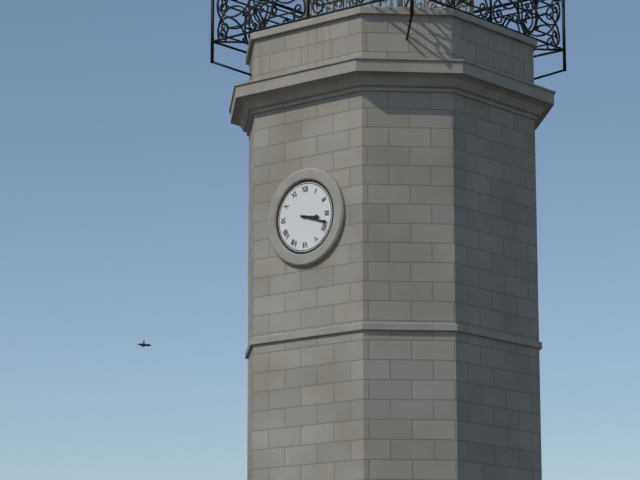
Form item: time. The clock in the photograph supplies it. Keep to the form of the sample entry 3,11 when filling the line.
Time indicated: 3,18
